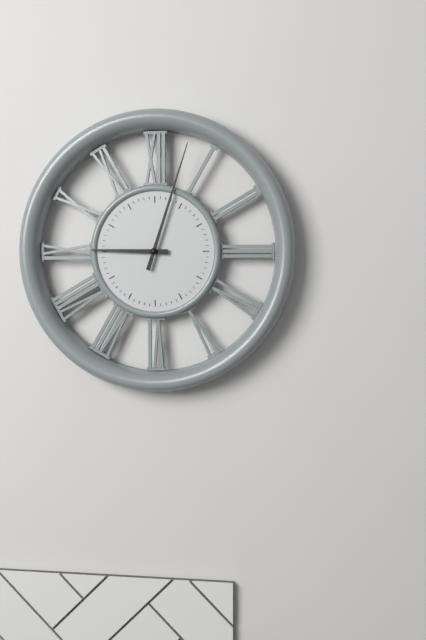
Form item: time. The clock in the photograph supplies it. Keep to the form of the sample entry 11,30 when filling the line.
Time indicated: 9,03
